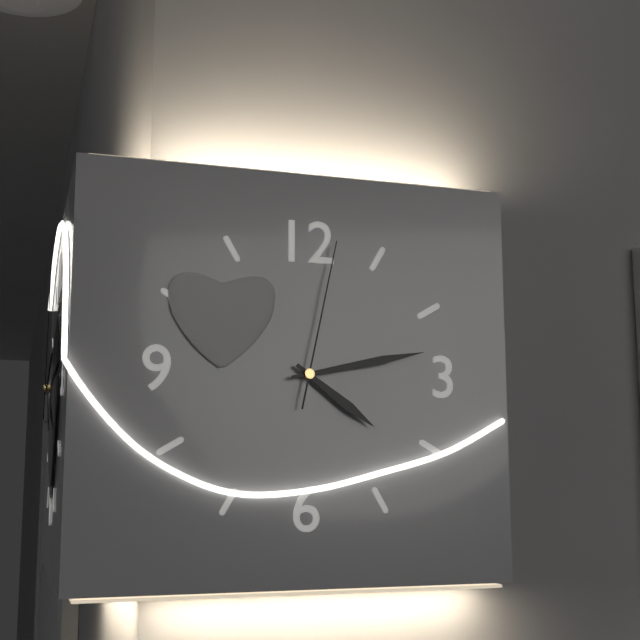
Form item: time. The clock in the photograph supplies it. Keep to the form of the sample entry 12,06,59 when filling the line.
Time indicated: 4,13,02
